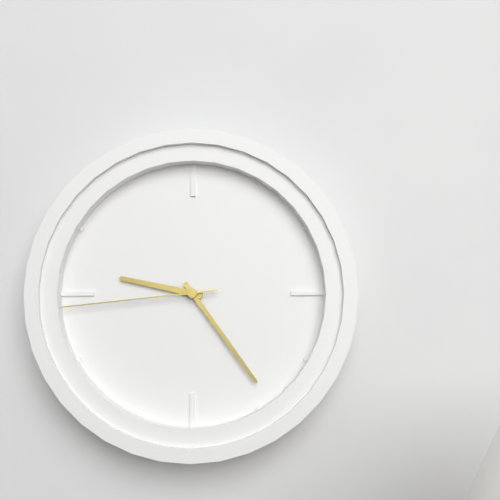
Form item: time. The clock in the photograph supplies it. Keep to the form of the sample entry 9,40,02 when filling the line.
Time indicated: 9,24,44
